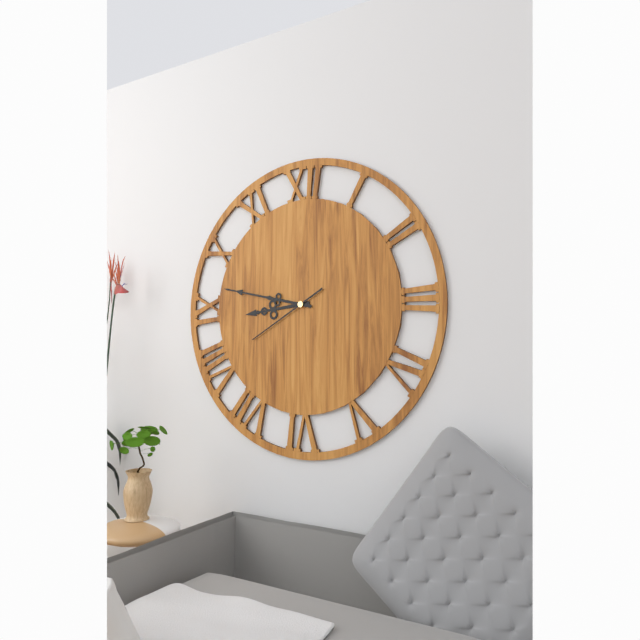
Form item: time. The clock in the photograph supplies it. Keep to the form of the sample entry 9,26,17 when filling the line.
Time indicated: 8,47,40
